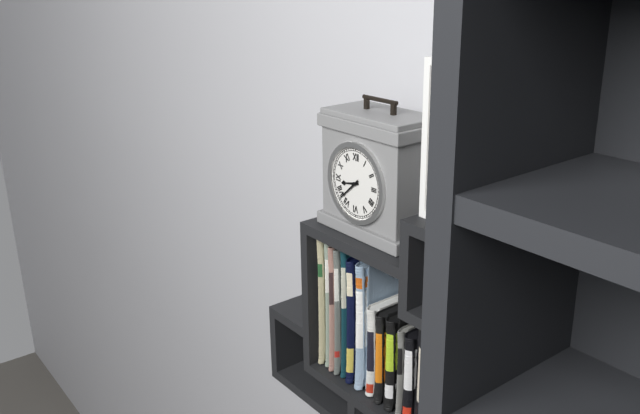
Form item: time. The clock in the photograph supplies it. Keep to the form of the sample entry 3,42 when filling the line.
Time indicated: 8,38
